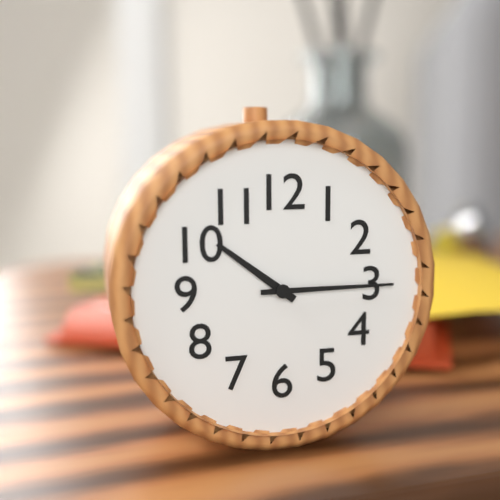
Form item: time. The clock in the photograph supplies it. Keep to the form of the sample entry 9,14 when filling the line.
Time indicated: 10,15
